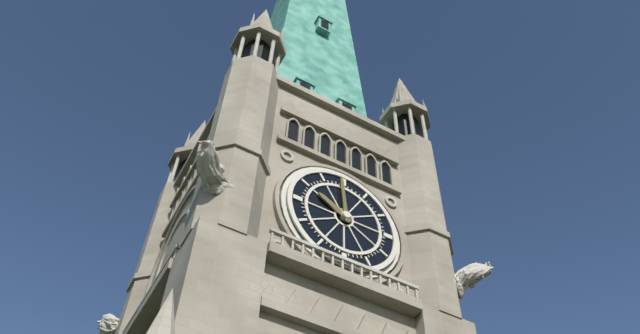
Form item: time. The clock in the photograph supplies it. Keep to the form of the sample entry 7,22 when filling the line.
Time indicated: 9,59
